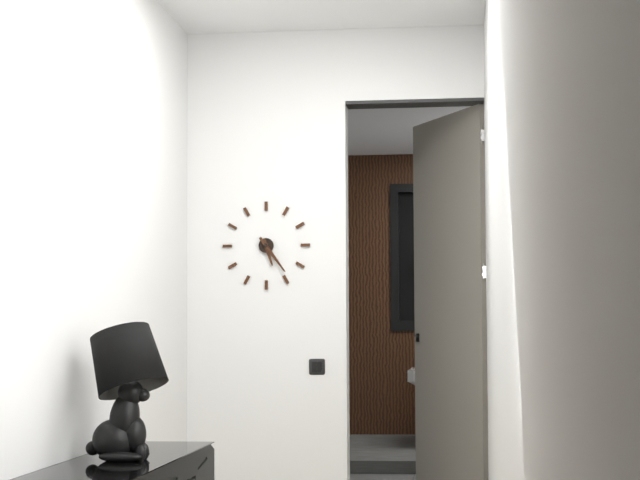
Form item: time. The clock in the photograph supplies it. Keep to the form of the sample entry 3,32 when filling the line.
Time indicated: 5,24
